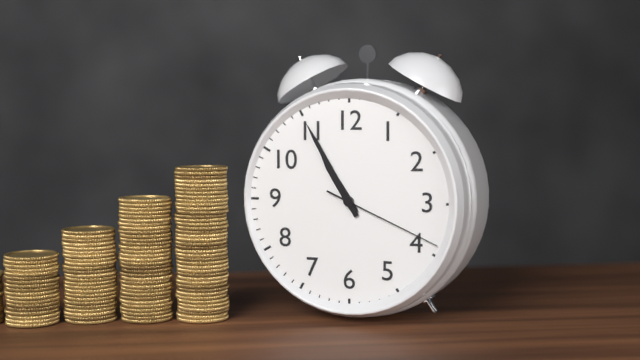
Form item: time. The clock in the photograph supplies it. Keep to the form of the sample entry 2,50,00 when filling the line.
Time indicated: 10,55,19
